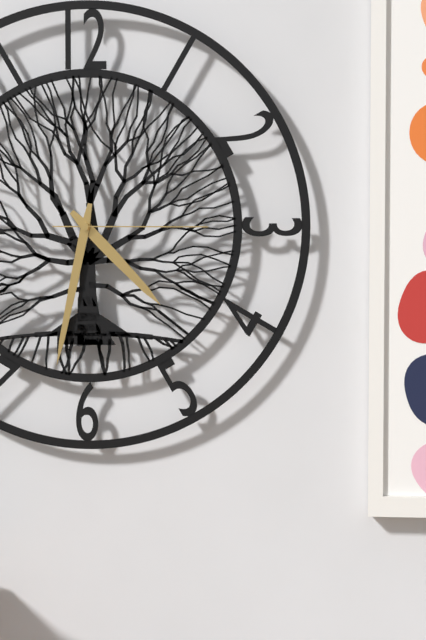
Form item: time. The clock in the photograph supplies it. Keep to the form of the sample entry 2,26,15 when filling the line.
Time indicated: 4,32,15
